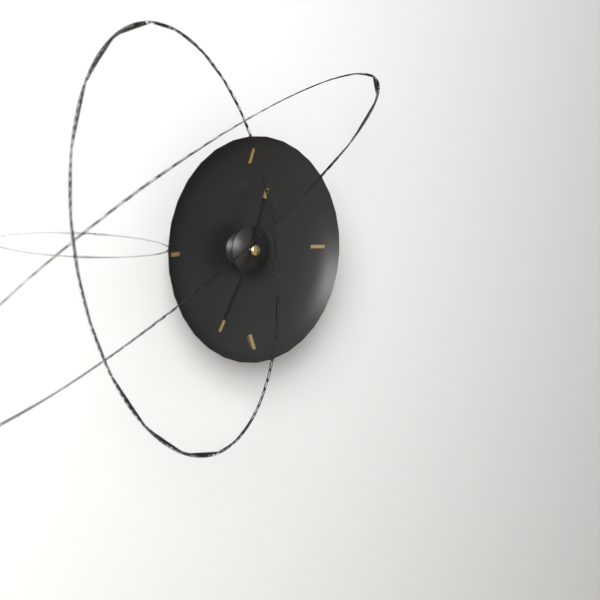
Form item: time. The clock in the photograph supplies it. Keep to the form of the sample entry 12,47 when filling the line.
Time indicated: 12,35
